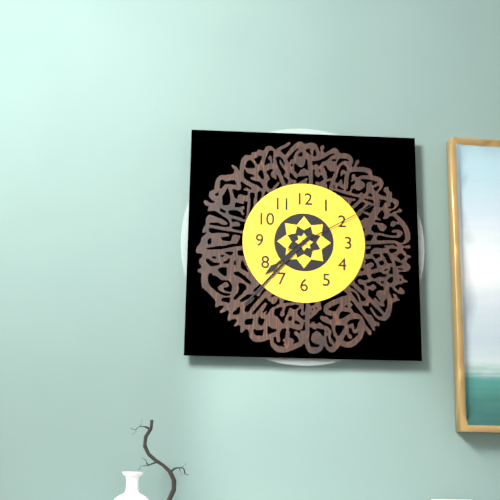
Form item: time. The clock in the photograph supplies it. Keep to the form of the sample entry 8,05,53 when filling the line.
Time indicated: 7,37,10
